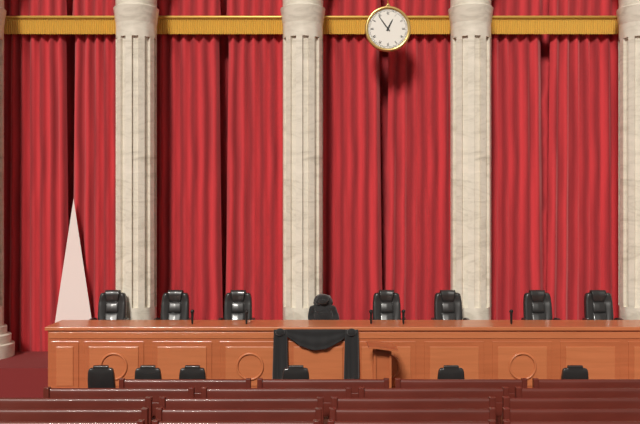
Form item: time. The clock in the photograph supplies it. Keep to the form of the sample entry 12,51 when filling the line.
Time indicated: 12,54
